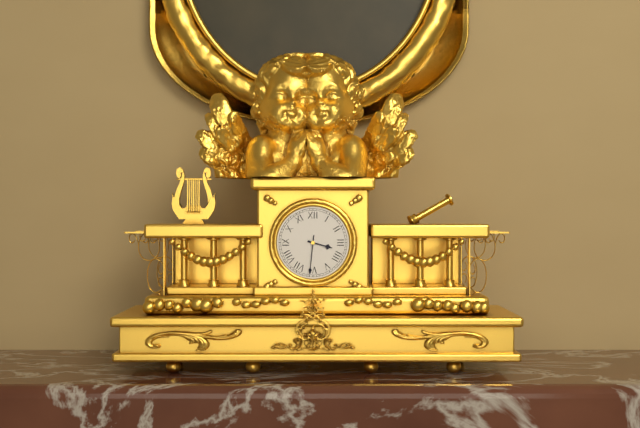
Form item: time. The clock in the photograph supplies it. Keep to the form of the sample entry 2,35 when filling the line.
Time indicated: 3,31
